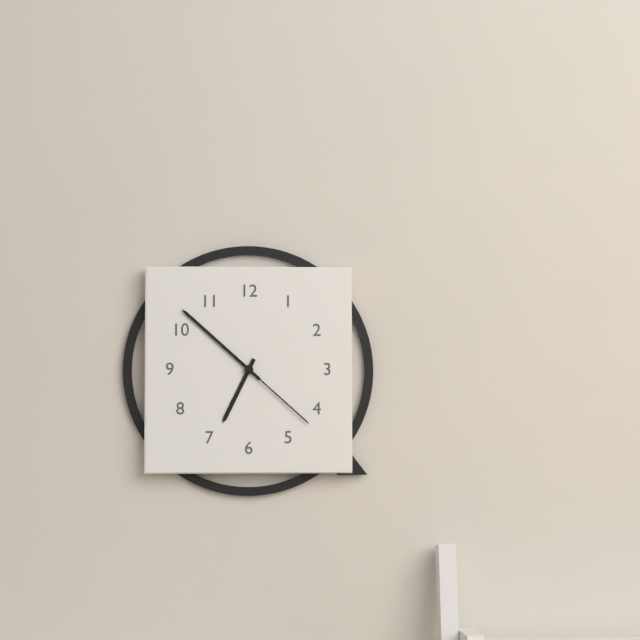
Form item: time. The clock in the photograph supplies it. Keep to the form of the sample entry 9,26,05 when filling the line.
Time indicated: 6,52,22
